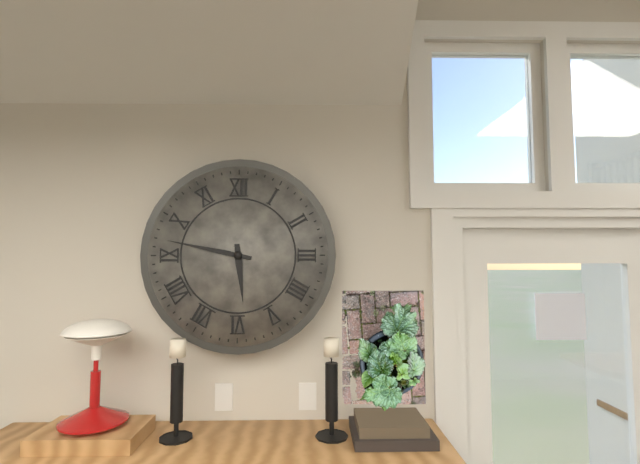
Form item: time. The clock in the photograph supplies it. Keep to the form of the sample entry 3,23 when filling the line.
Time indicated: 5,47
